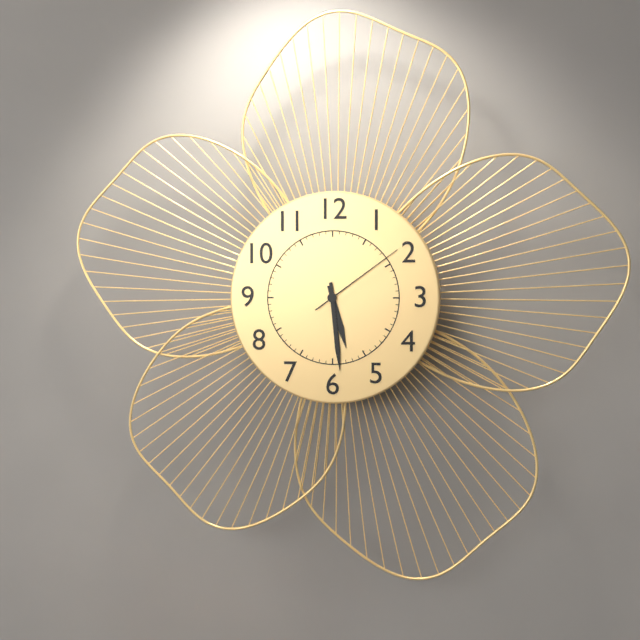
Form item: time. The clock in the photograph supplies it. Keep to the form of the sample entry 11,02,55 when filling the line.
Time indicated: 5,29,09
